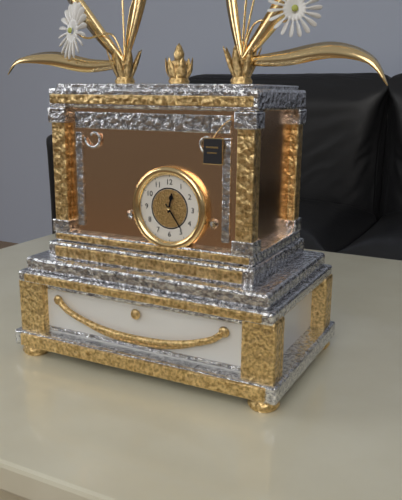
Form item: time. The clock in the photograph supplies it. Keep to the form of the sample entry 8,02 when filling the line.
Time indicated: 12,24
